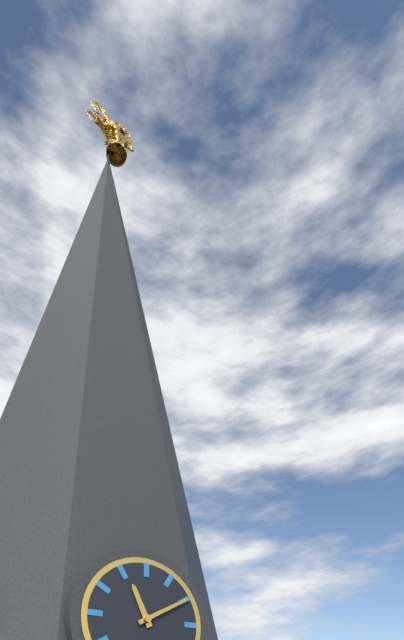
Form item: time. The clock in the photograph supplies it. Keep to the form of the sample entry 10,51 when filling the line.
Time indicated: 11,10
